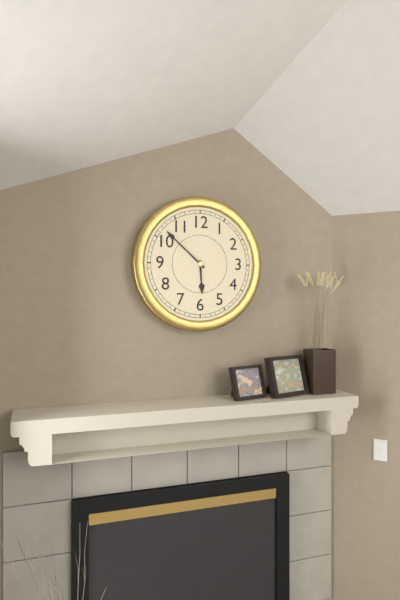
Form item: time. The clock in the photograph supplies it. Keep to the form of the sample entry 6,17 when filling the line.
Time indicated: 5,52
